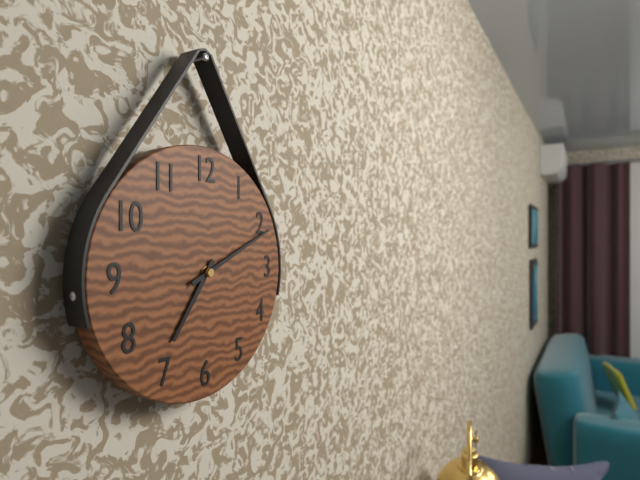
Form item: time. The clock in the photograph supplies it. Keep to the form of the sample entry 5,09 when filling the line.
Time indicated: 7,11
